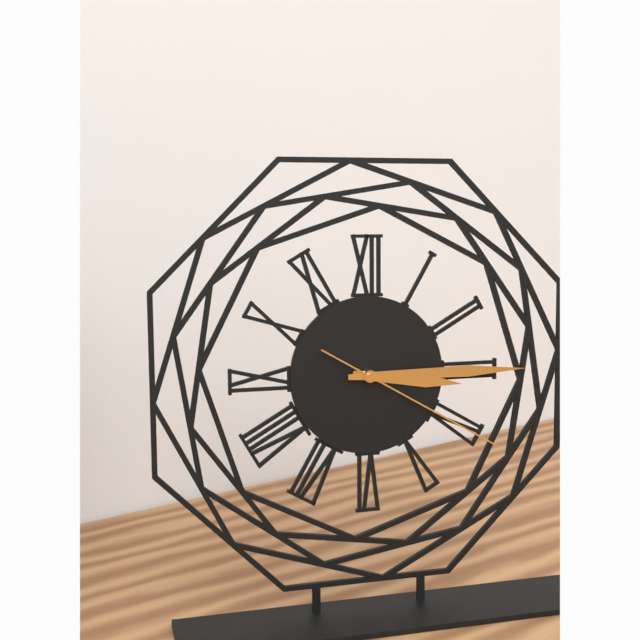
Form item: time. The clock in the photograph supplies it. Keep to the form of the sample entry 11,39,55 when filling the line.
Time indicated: 3,15,20
